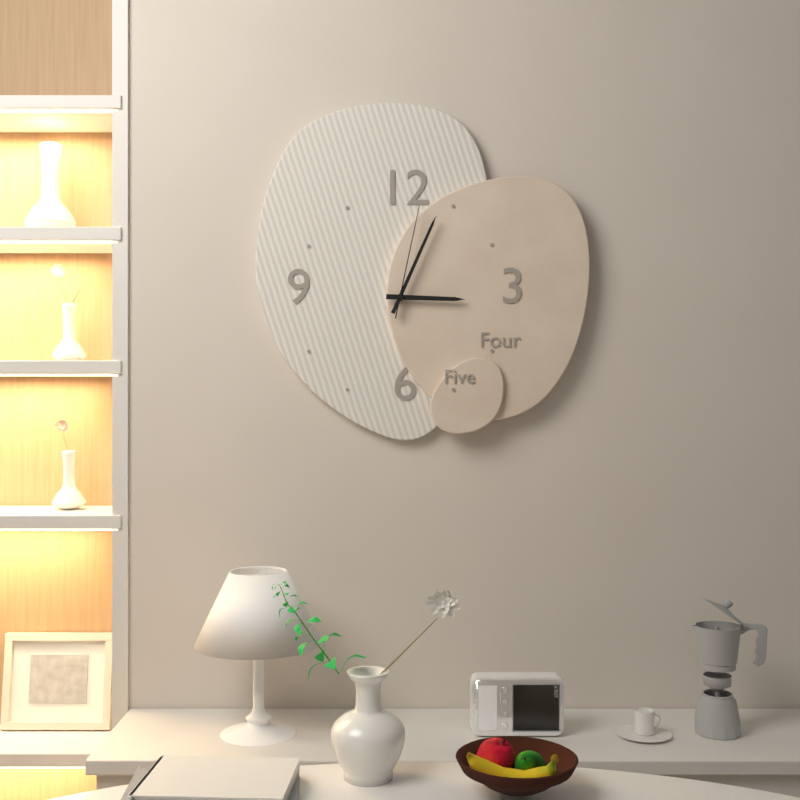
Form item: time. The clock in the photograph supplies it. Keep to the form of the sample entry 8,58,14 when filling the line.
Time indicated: 3,04,02
